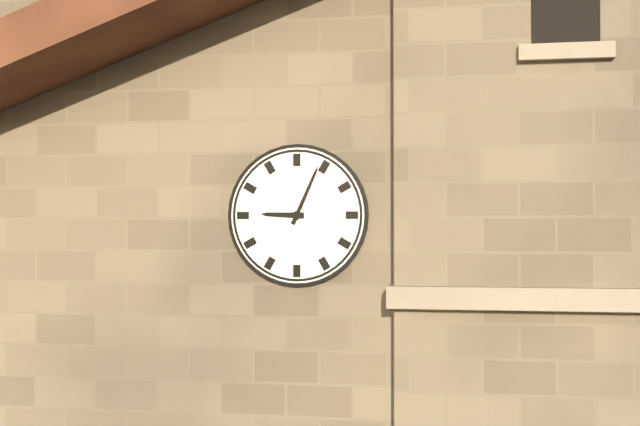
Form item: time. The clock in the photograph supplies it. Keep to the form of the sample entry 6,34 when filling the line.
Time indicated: 9,04
